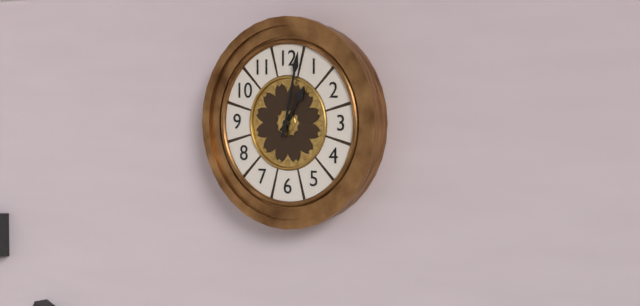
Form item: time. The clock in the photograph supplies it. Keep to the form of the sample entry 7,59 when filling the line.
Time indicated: 1,02
